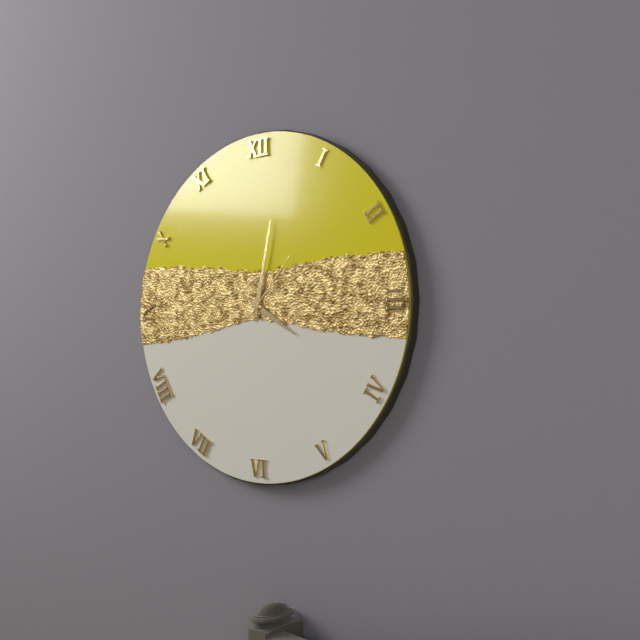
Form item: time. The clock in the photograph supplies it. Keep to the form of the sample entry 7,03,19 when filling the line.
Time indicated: 4,02,07
